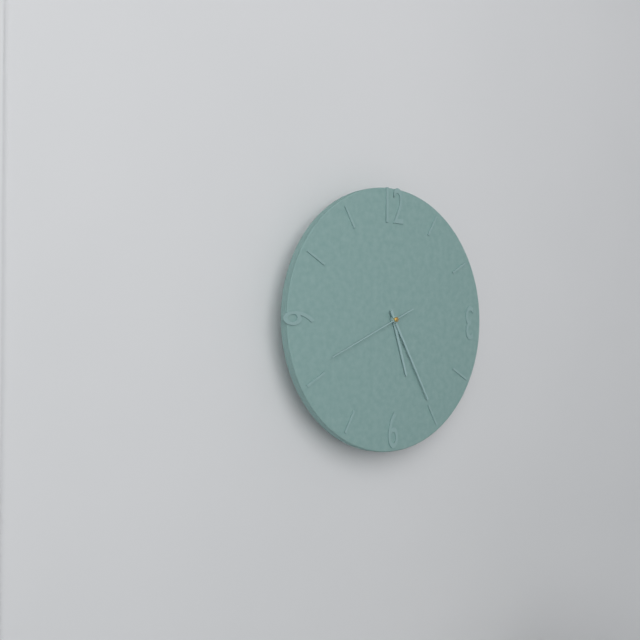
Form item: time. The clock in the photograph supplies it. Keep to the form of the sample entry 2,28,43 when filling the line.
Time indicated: 5,25,41
